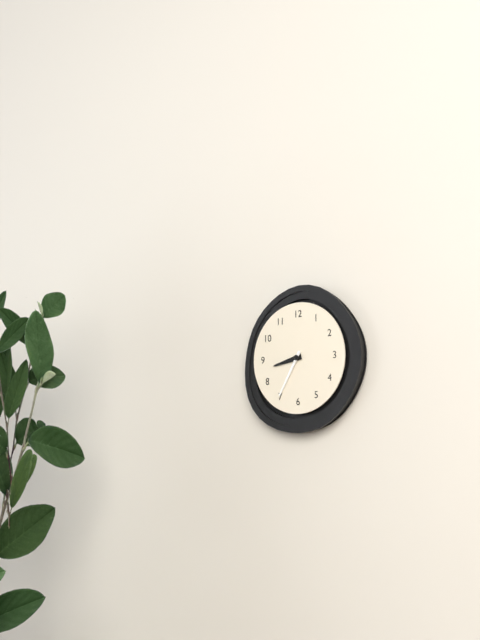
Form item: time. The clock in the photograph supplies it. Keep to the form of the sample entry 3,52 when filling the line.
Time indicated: 8,35
